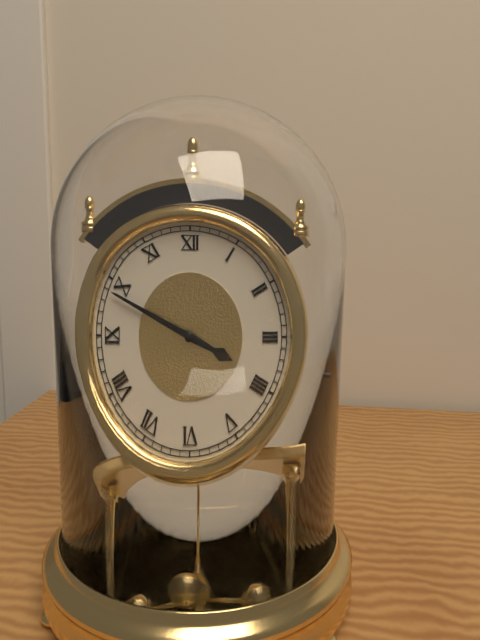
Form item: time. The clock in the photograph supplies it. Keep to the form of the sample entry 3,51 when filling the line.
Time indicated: 3,49
